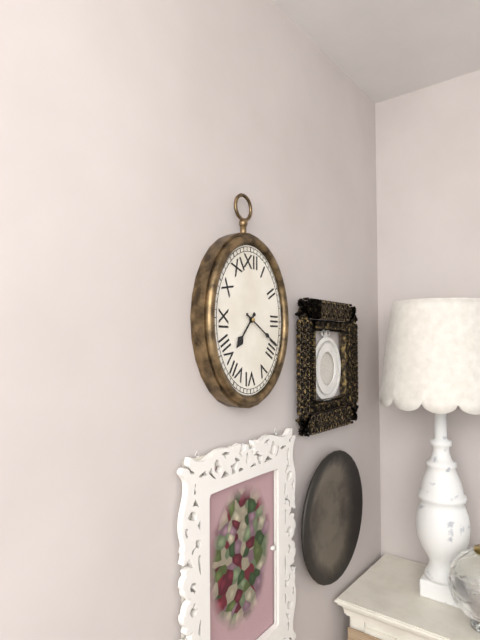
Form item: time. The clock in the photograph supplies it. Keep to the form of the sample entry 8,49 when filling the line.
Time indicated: 7,20
